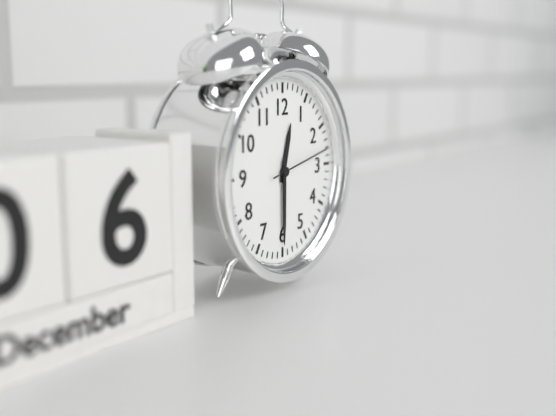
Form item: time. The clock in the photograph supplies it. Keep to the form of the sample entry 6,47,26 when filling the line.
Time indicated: 12,30,13
